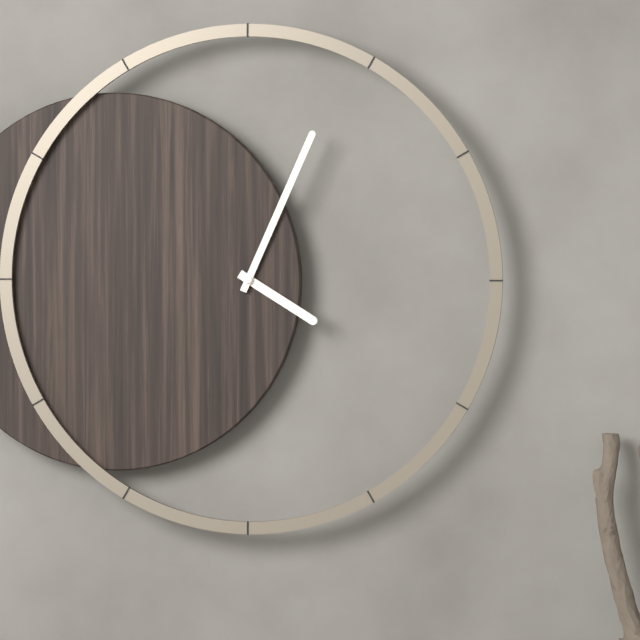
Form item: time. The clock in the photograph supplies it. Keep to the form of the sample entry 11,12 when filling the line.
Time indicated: 4,04
